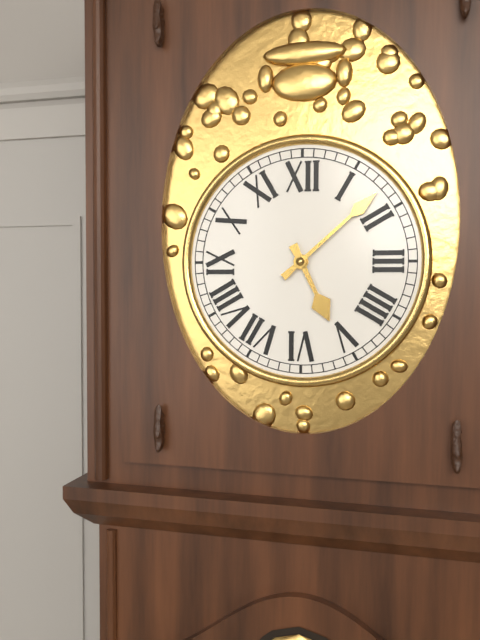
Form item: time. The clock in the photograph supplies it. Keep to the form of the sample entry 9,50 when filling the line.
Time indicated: 5,08
